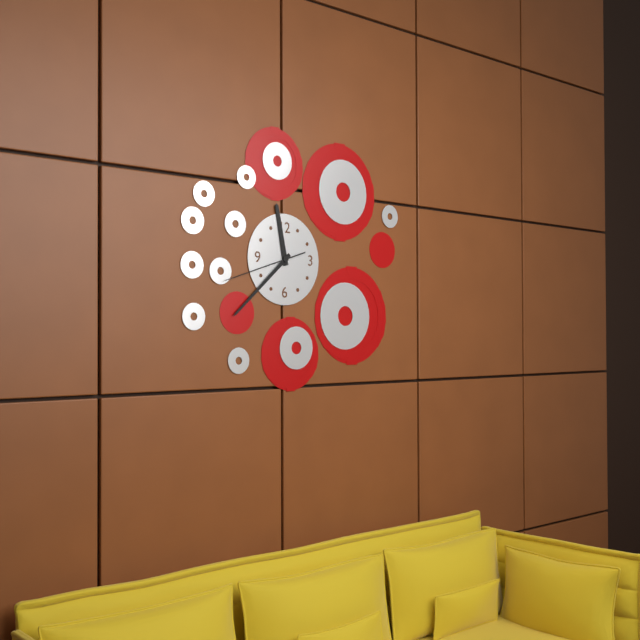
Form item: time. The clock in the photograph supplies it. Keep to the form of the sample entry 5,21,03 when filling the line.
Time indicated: 11,38,42
